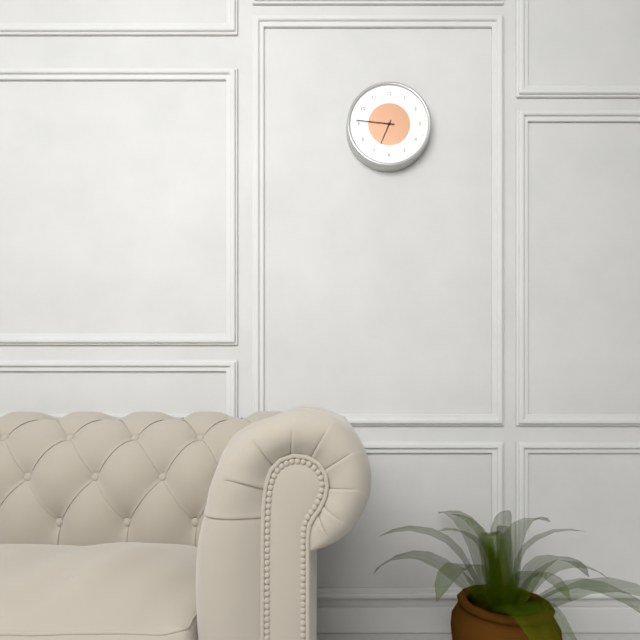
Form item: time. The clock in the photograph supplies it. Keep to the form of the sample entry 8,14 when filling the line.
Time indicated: 6,46
